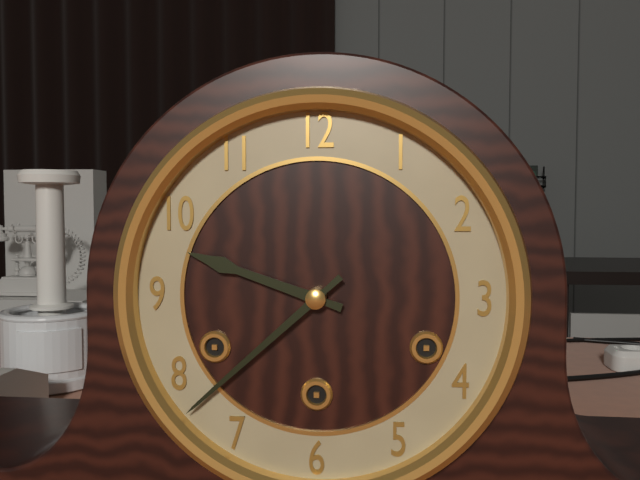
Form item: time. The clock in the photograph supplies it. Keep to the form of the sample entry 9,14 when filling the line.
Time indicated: 9,38
